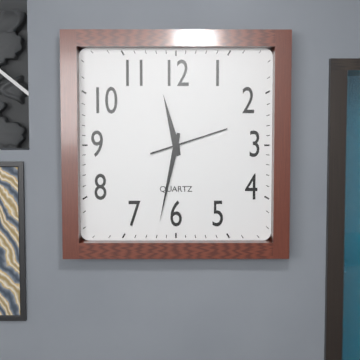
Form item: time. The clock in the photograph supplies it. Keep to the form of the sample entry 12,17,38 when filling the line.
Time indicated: 11,32,12
